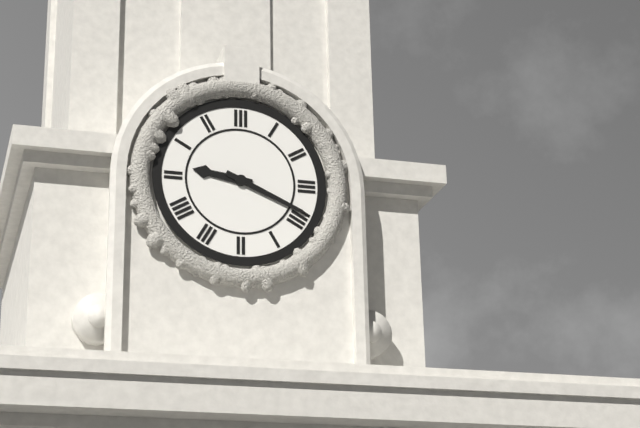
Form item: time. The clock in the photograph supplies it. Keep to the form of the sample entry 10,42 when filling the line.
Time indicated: 9,19
